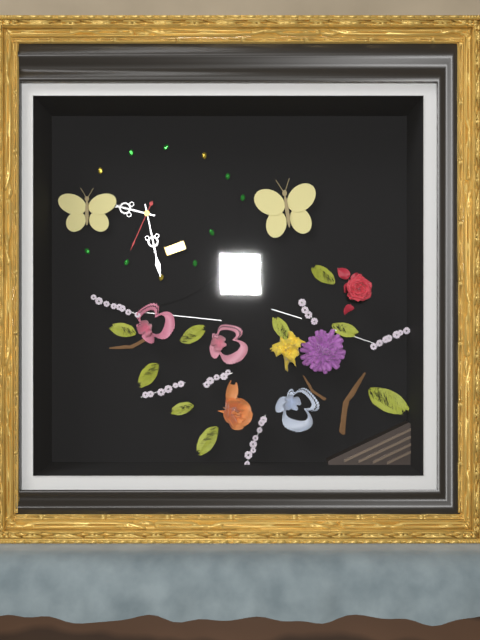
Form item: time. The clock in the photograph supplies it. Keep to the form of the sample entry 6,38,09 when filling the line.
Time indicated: 9,28,34
